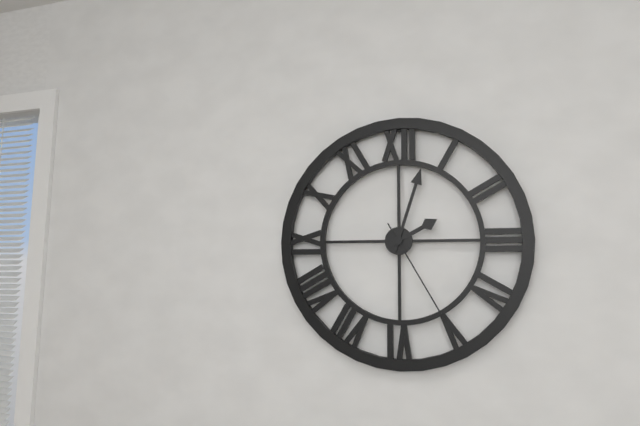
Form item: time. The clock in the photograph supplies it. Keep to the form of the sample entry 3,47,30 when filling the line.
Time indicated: 2,03,25
